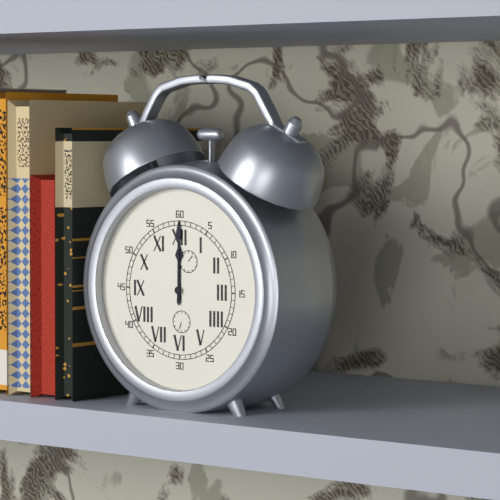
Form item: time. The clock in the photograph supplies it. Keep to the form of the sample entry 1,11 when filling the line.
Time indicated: 12,00
